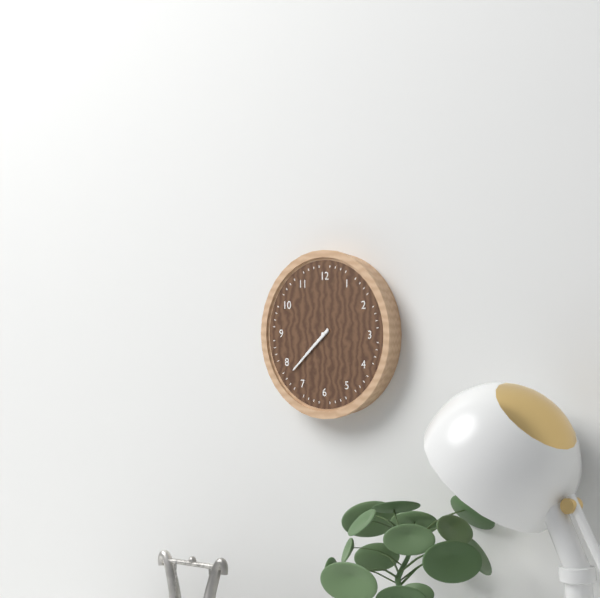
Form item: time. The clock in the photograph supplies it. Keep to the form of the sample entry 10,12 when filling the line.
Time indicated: 7,38
